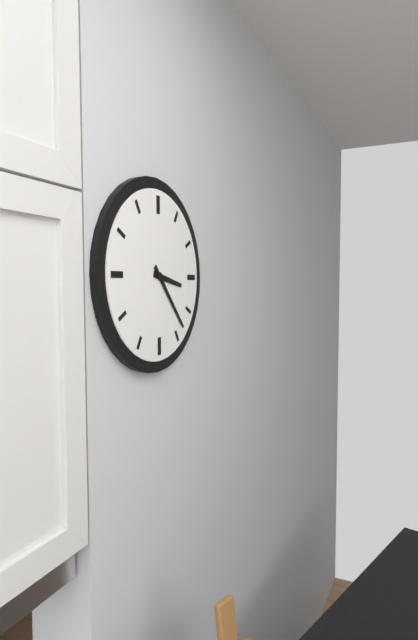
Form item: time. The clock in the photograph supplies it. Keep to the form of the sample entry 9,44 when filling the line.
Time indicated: 3,23
